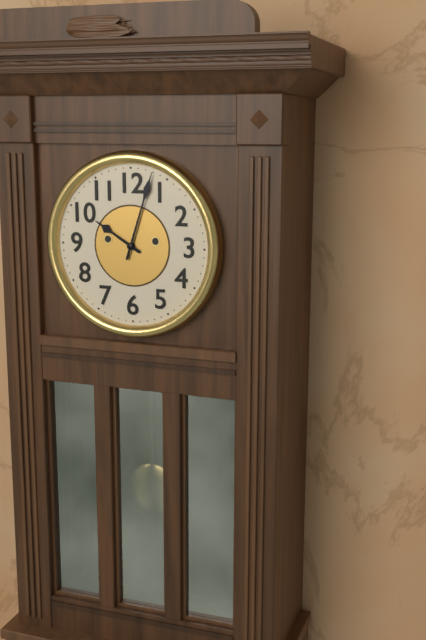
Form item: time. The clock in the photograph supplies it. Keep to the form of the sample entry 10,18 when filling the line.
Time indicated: 10,03
